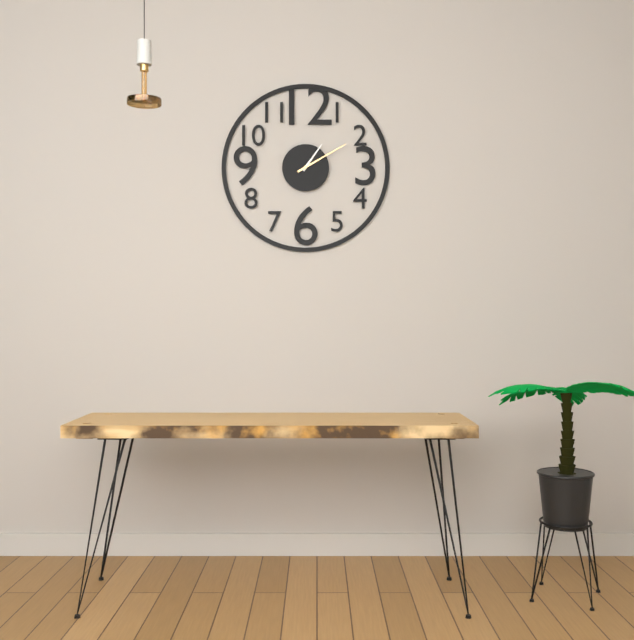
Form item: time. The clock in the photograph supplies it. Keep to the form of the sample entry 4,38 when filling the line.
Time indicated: 1,10
